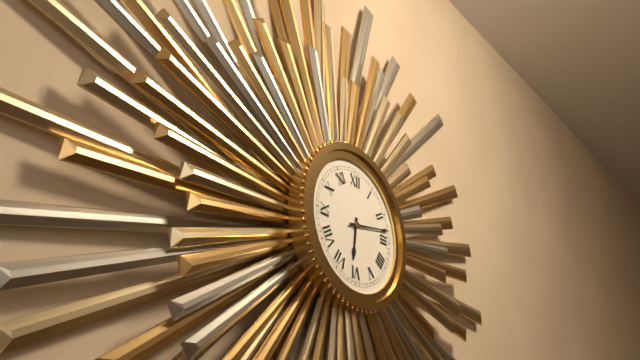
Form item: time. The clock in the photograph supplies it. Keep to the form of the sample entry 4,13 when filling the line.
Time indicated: 6,13
